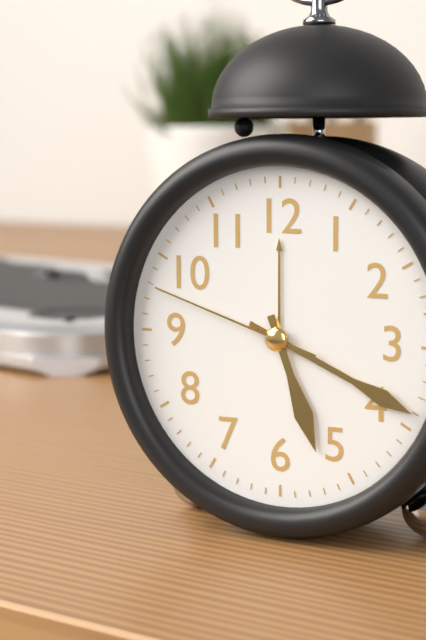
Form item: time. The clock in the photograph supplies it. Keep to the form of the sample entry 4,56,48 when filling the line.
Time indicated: 5,19,48
